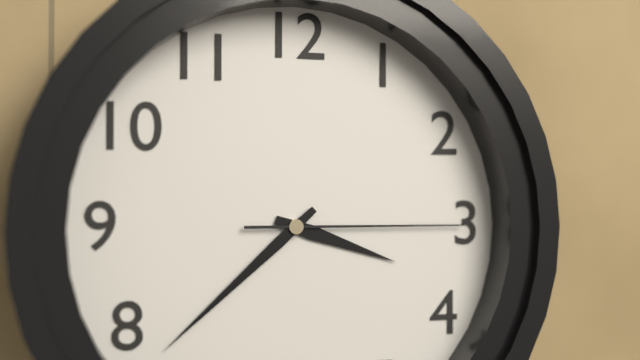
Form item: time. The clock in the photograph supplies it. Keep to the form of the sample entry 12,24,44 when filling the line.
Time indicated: 3,38,15
